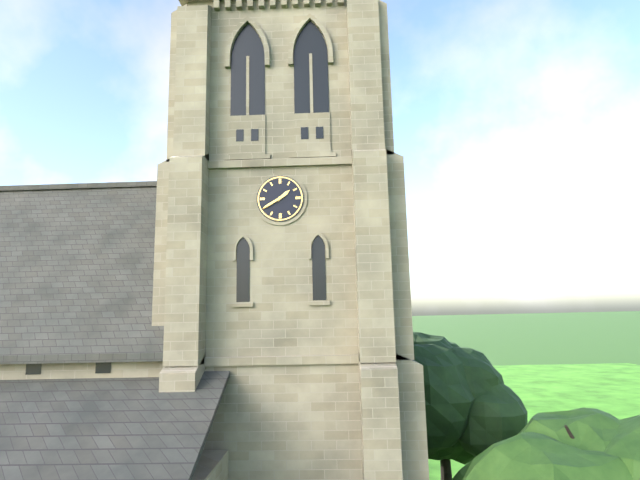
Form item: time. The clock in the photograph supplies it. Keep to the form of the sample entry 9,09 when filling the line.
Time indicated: 1,40
